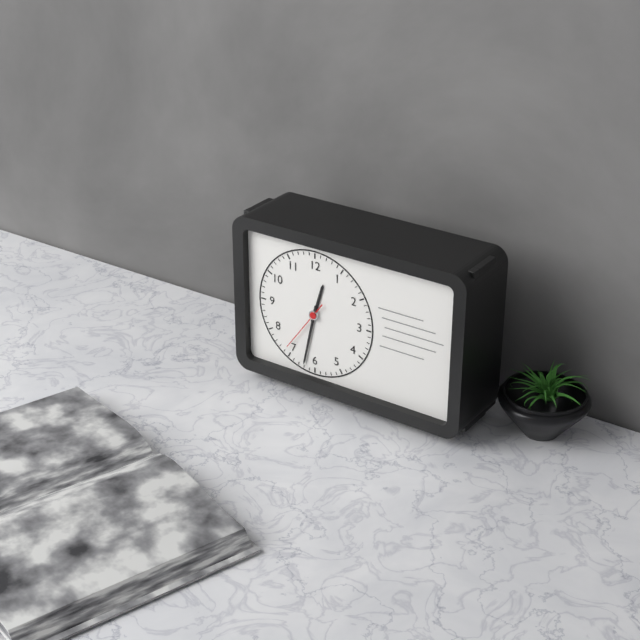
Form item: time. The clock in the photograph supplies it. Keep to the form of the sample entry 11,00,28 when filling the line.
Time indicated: 12,32,36
